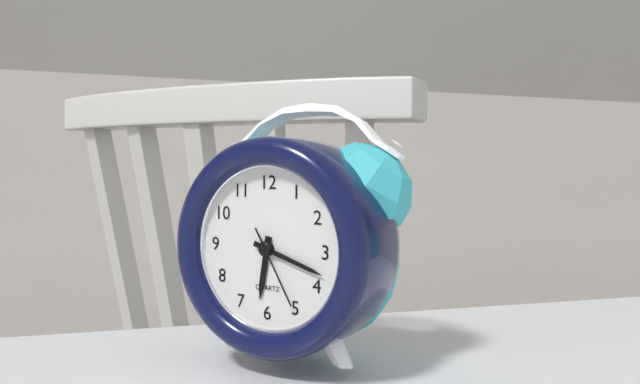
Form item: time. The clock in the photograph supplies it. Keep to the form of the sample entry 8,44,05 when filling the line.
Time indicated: 6,18,25
